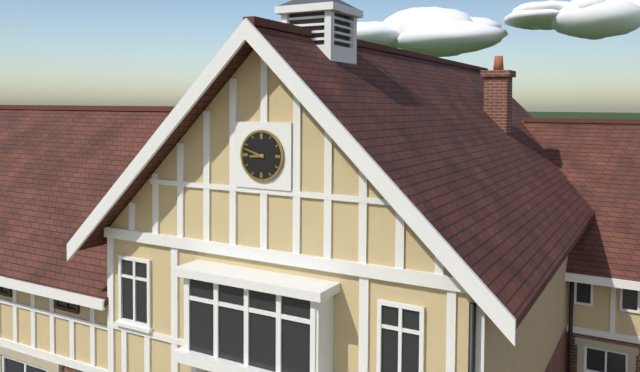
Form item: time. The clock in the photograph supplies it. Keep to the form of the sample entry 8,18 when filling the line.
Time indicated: 8,48
